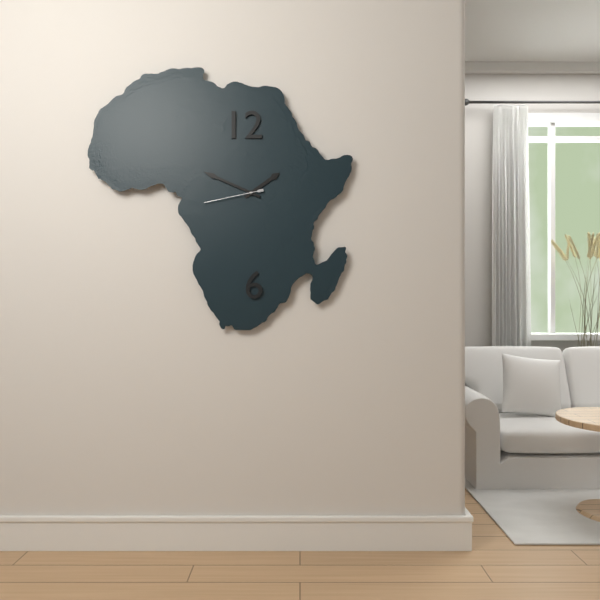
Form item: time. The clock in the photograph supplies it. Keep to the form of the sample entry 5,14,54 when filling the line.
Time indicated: 1,49,43
